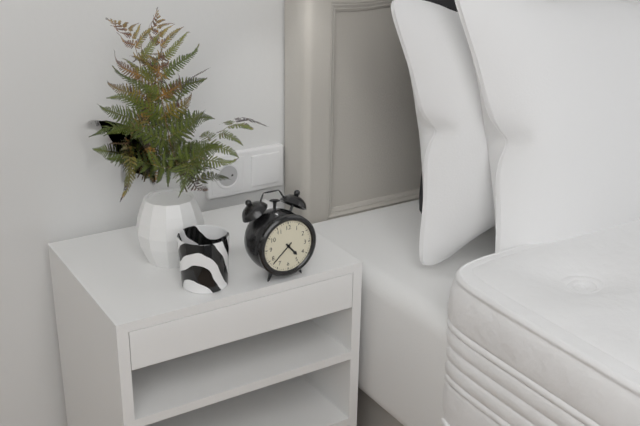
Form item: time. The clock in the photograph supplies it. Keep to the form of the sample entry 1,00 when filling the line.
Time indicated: 4,38
